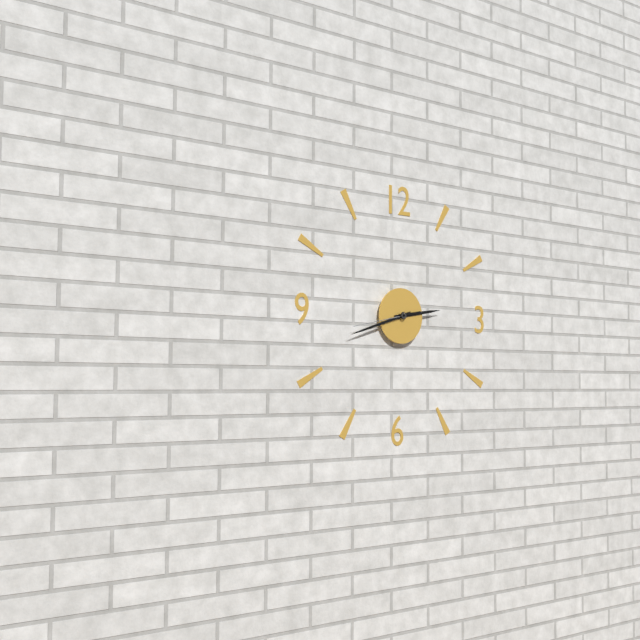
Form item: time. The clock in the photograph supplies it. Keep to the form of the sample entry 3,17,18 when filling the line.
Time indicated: 2,42,43
